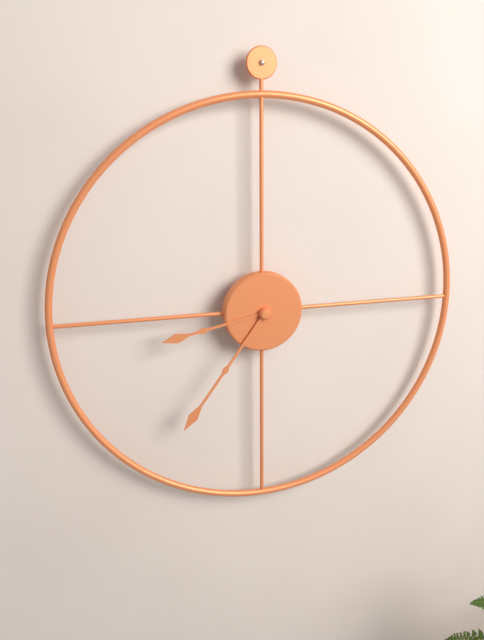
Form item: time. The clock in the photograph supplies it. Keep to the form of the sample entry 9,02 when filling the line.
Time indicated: 8,36
